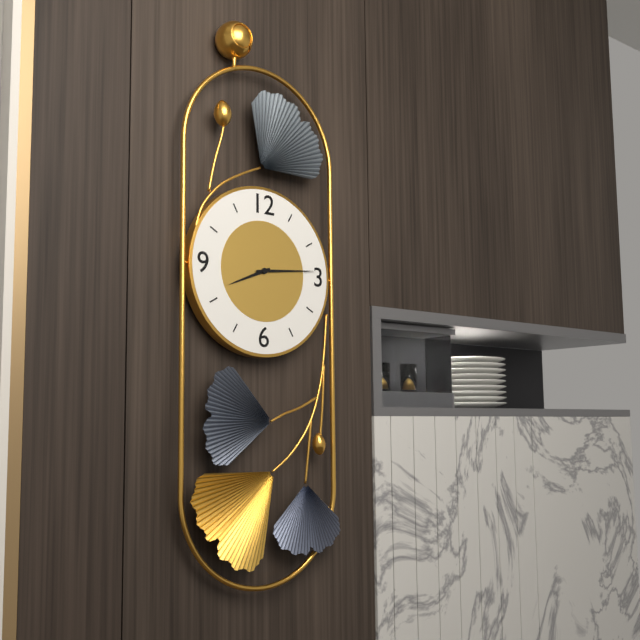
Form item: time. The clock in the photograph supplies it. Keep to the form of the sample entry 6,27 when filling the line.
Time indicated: 8,14
